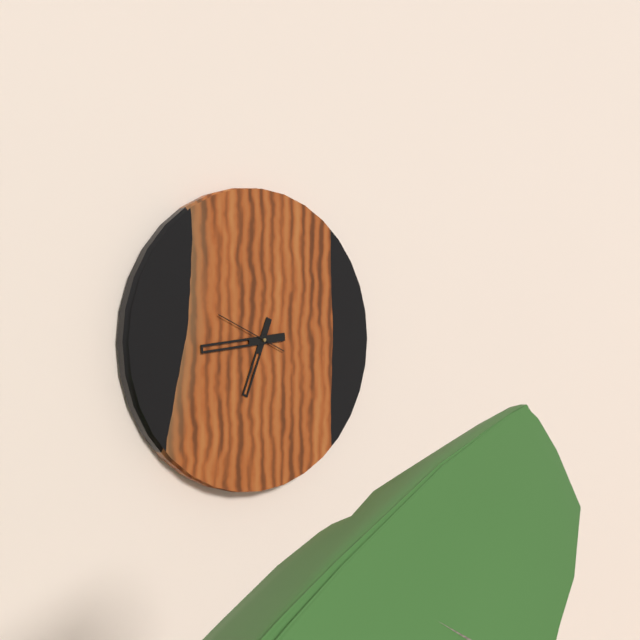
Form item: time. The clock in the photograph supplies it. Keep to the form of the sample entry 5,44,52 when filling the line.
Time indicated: 6,44,49
